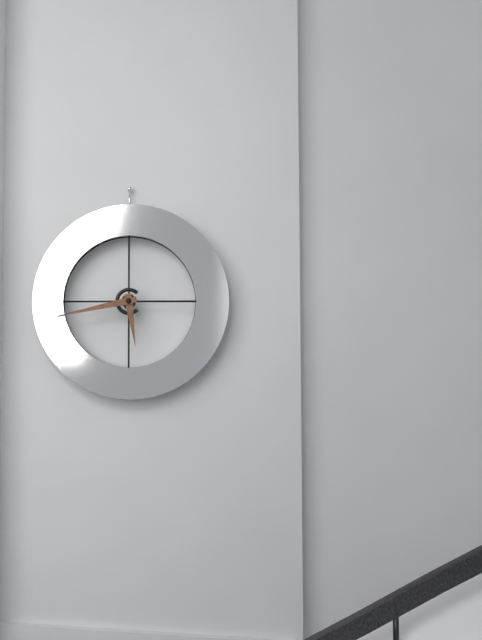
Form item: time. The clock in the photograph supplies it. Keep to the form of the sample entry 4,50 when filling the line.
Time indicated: 5,43
